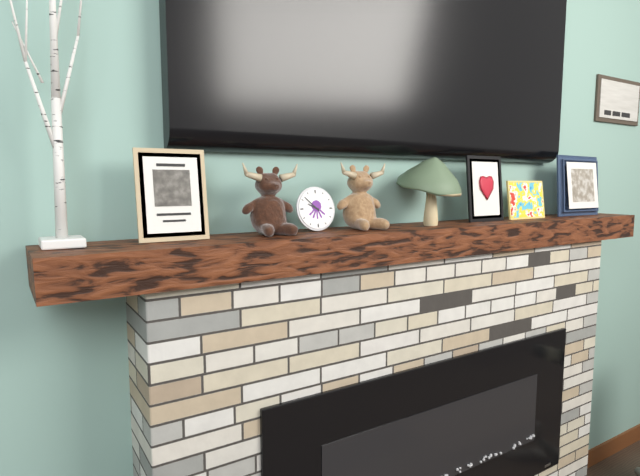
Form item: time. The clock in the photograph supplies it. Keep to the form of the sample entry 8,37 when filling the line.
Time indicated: 9,52
